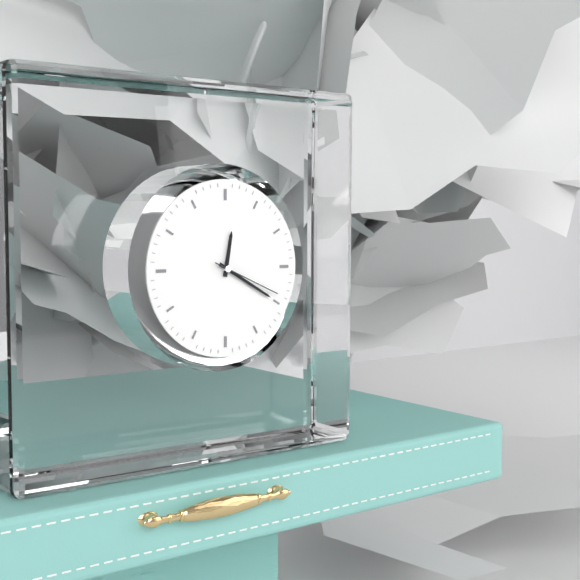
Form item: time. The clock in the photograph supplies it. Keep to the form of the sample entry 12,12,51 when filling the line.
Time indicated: 12,20,19
